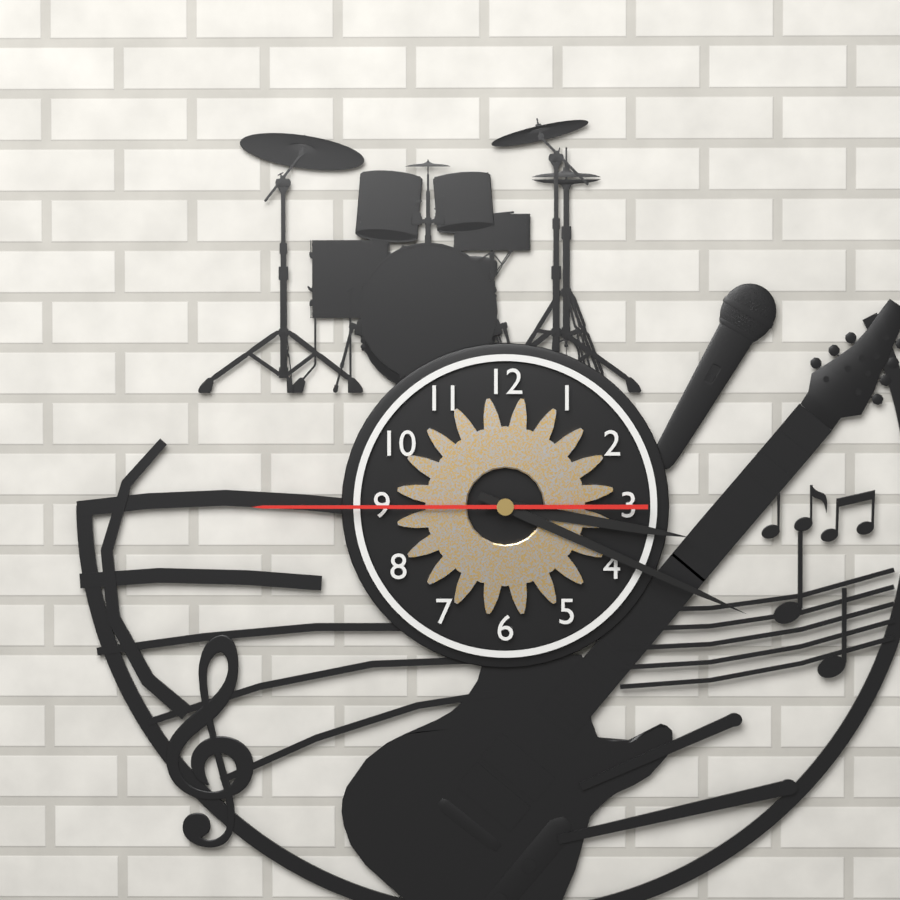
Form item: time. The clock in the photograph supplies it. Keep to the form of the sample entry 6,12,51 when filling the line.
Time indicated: 3,19,45
